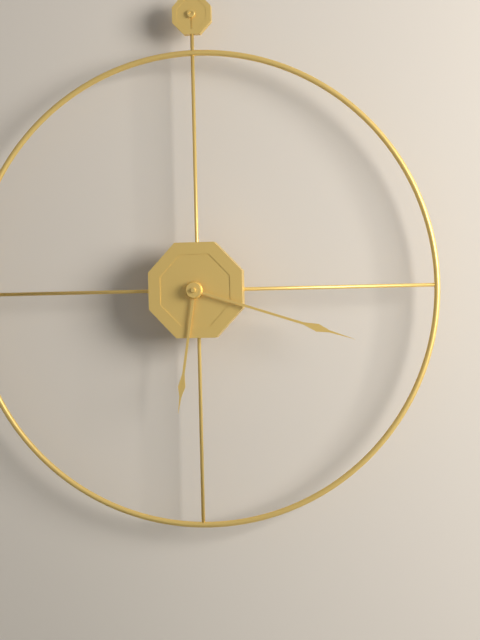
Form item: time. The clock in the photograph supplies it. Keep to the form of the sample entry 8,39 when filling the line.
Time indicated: 6,18
